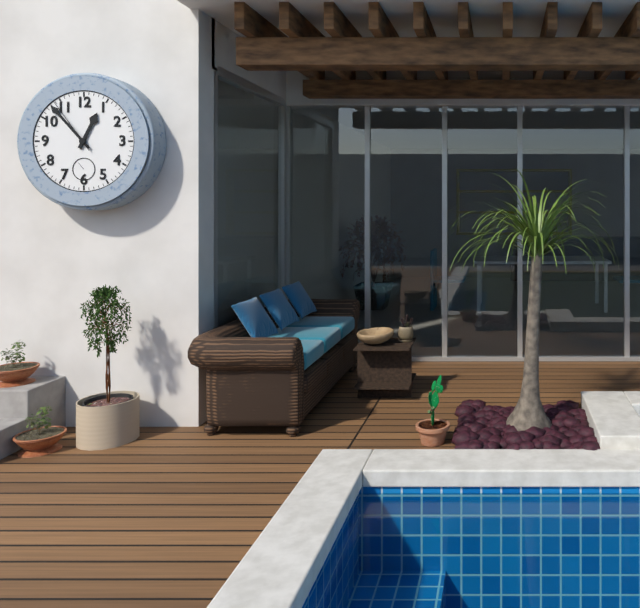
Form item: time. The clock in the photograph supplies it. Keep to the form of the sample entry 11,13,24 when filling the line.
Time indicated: 12,53,54
